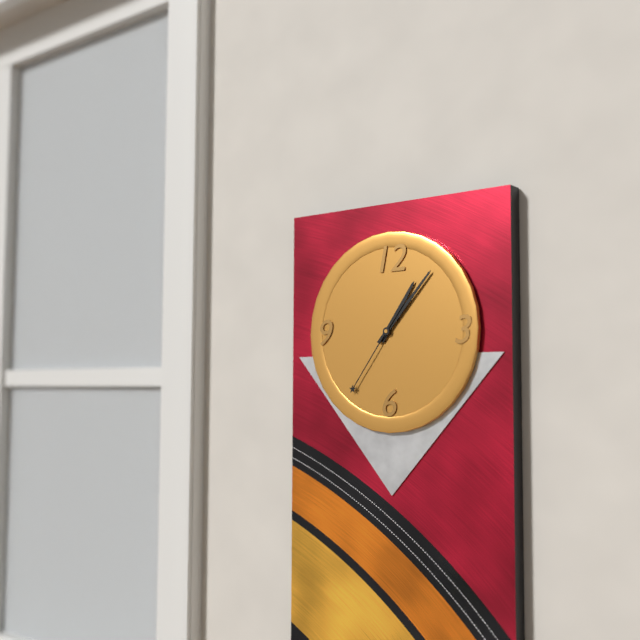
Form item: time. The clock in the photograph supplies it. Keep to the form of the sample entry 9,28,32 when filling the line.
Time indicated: 1,07,36
